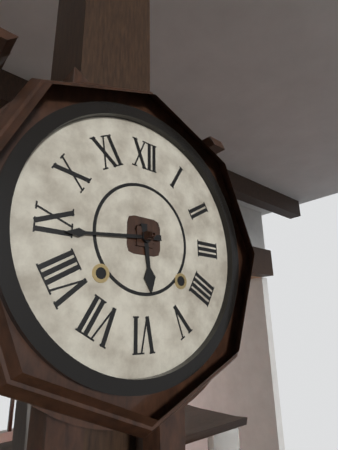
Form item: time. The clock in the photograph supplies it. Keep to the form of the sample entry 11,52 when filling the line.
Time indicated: 5,44
